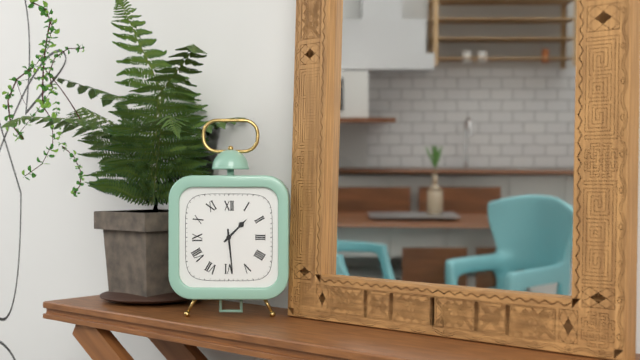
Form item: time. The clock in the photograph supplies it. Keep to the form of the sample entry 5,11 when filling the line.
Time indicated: 1,29
